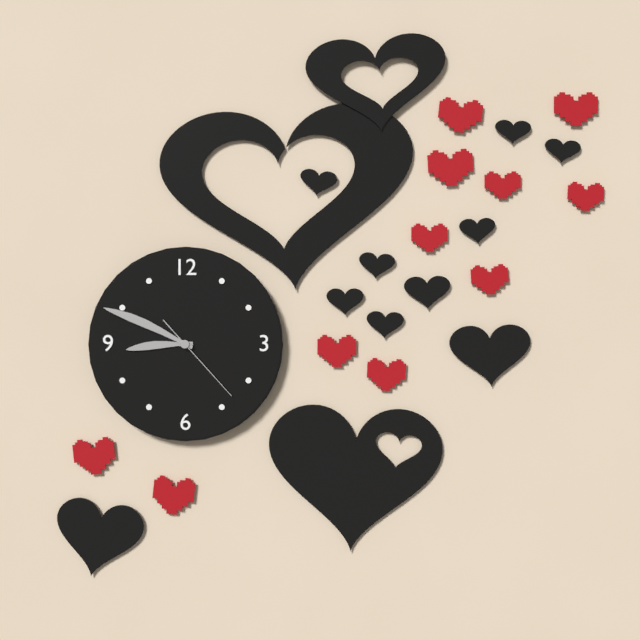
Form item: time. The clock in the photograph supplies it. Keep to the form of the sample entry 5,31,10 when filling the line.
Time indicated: 8,49,23
